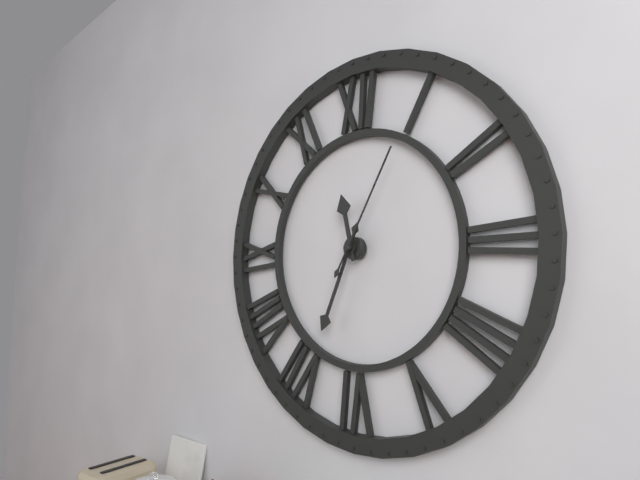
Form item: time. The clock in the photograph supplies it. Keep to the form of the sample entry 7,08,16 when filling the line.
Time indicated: 11,34,05
